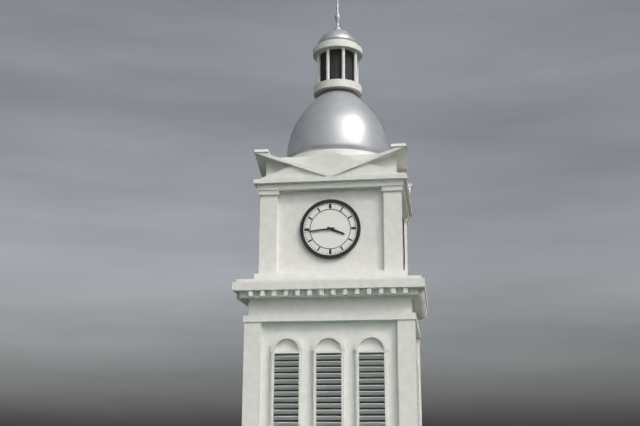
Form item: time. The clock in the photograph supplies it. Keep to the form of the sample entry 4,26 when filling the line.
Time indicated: 3,44
